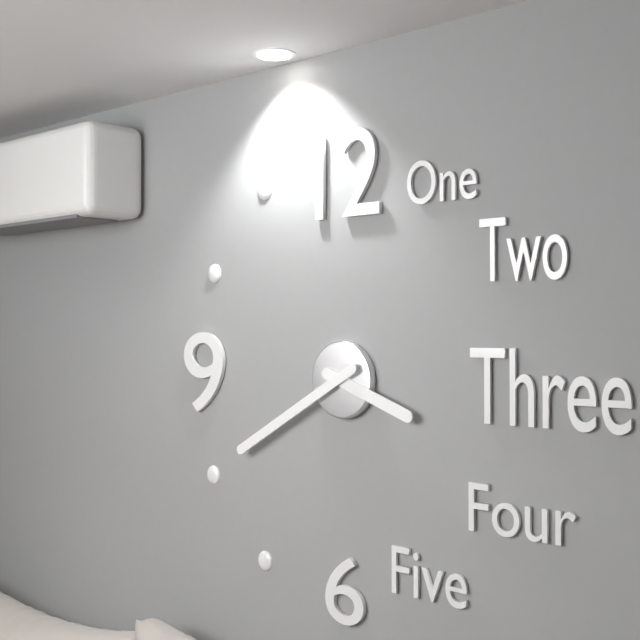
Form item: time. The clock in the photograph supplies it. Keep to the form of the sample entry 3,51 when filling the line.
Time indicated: 3,40
